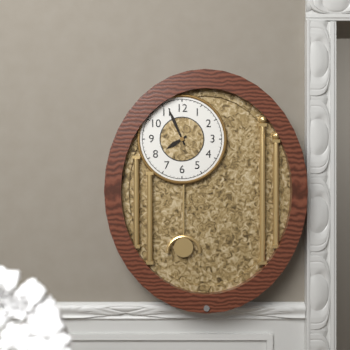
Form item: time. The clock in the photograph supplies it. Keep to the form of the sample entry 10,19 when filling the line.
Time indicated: 7,56
